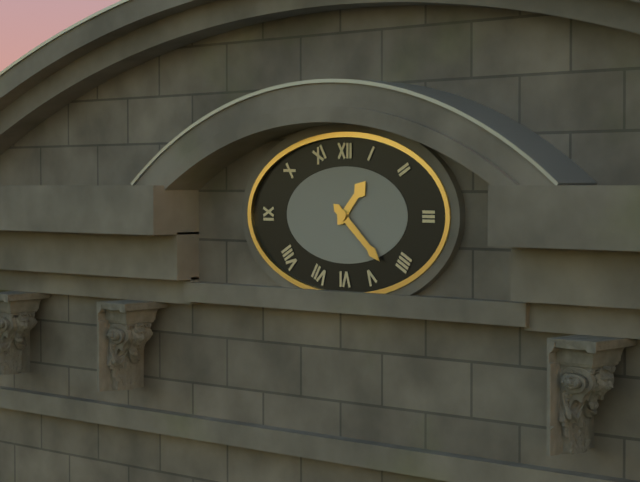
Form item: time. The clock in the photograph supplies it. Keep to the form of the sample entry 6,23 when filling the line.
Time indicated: 1,22
